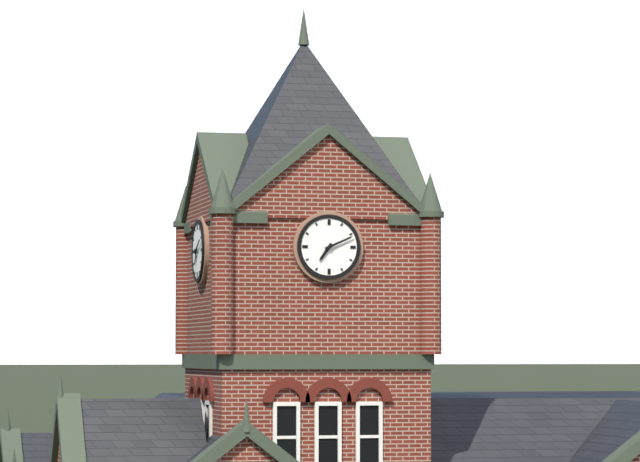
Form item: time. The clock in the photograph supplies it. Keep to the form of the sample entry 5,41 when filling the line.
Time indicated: 7,11
